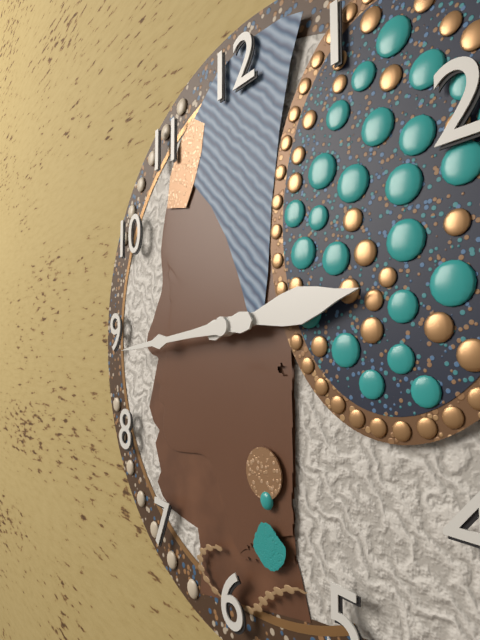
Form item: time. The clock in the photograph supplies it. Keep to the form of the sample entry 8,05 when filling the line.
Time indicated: 2,44
